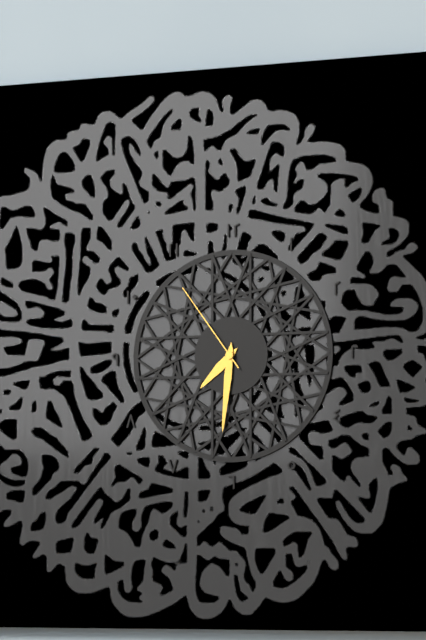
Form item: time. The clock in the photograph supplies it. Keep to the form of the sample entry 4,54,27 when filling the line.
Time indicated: 7,31,54
